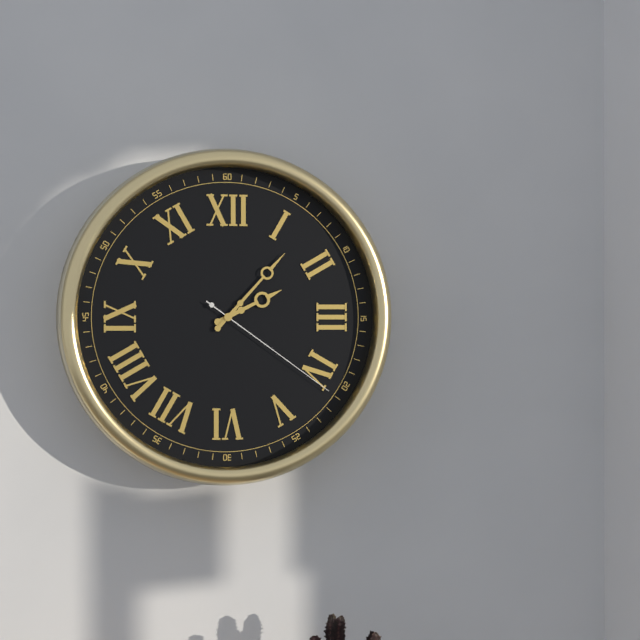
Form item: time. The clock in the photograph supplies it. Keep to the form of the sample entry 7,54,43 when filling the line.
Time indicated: 2,07,21
